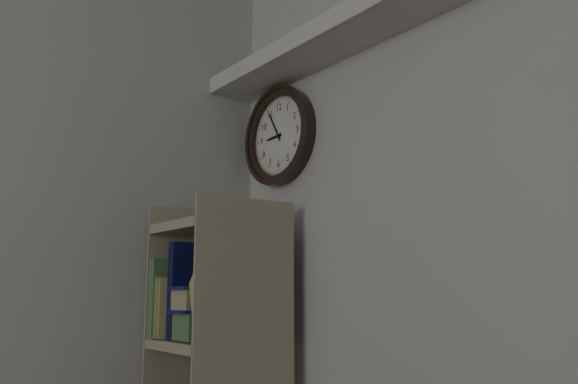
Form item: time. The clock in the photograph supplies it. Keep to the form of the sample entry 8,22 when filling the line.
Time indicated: 8,55
